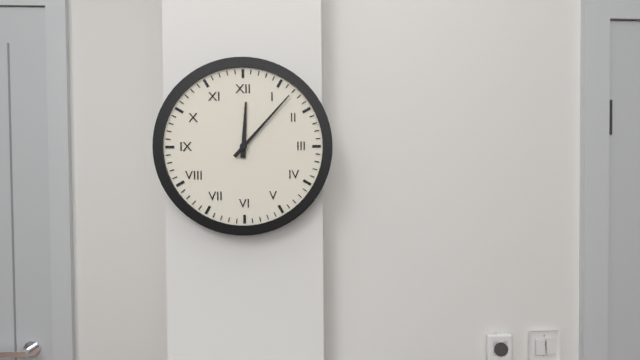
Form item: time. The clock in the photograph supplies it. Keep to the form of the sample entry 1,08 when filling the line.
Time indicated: 12,07
